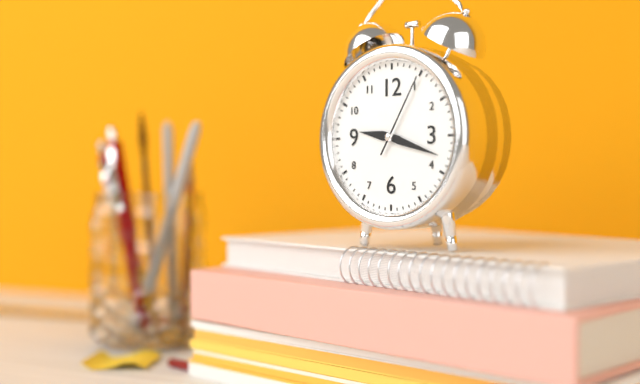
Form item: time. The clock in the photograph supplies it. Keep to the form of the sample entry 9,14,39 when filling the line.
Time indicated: 9,18,05
